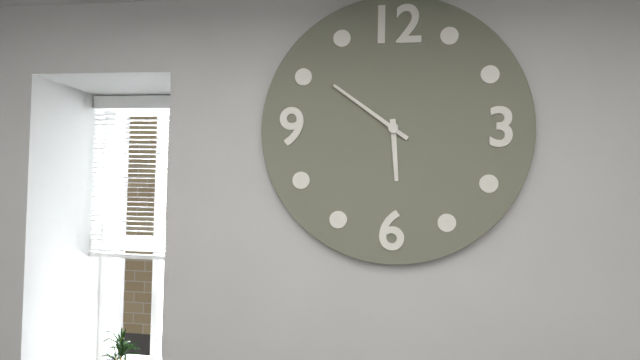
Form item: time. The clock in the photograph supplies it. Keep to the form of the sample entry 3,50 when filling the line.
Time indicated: 5,51
